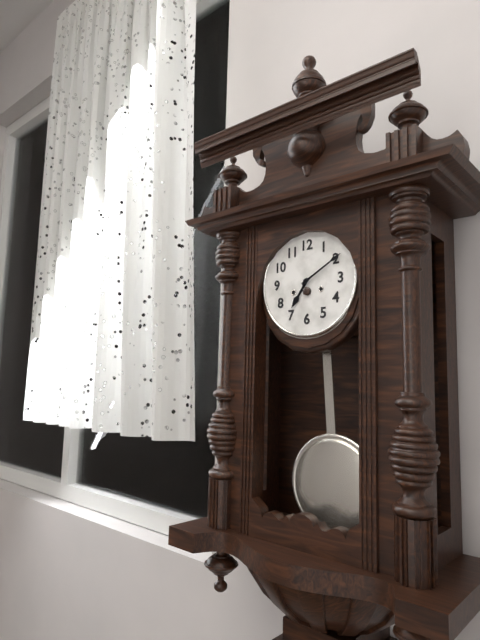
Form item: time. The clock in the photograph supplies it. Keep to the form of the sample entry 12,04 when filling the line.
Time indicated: 7,10
